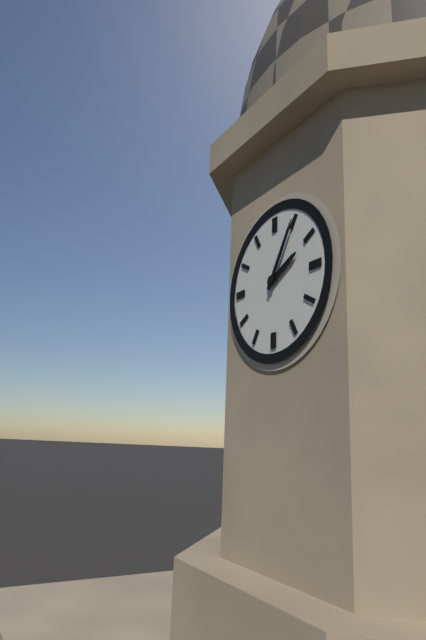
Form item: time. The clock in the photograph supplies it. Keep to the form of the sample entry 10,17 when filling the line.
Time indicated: 2,05
